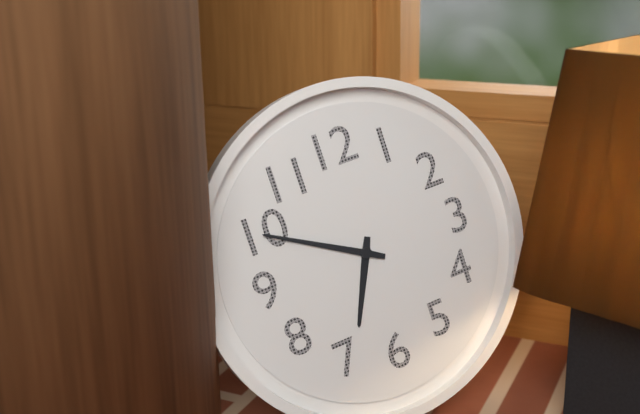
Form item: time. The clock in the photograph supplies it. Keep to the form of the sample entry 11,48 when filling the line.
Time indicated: 6,50
